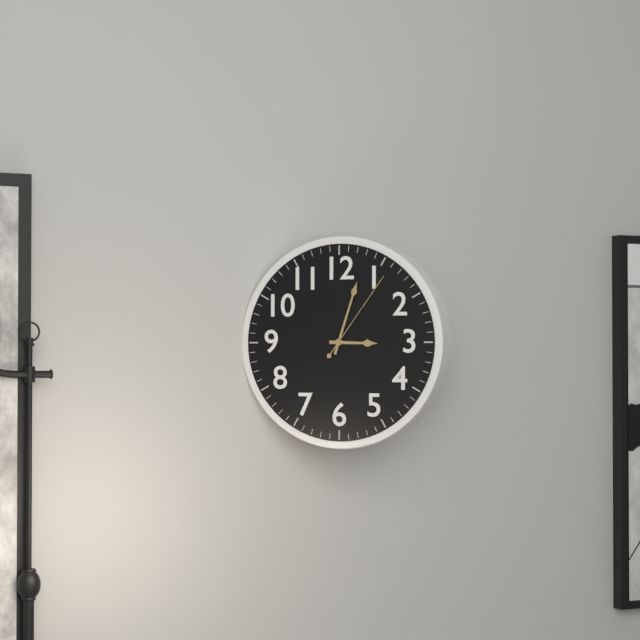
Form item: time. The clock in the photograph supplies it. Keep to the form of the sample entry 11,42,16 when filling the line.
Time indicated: 3,03,06
